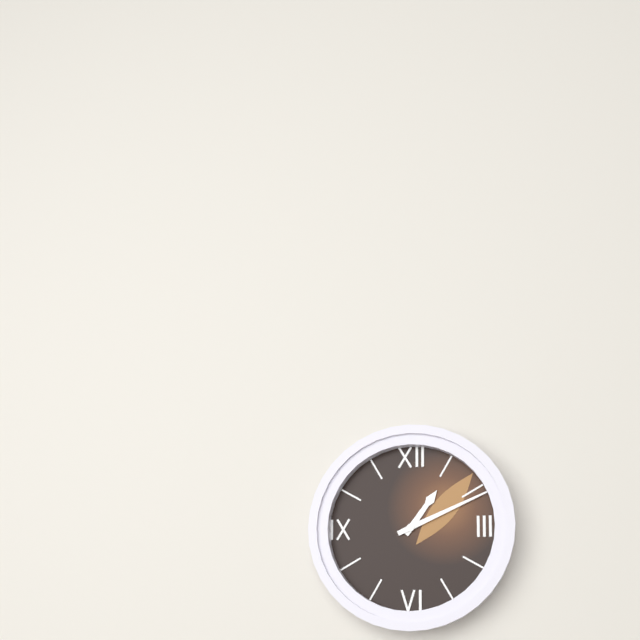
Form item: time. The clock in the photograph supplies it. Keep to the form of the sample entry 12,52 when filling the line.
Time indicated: 1,11
